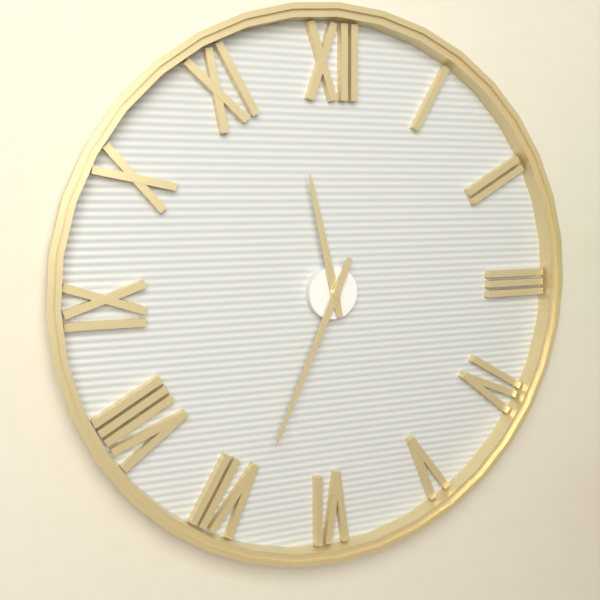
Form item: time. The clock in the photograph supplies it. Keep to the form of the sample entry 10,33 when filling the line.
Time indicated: 11,34
